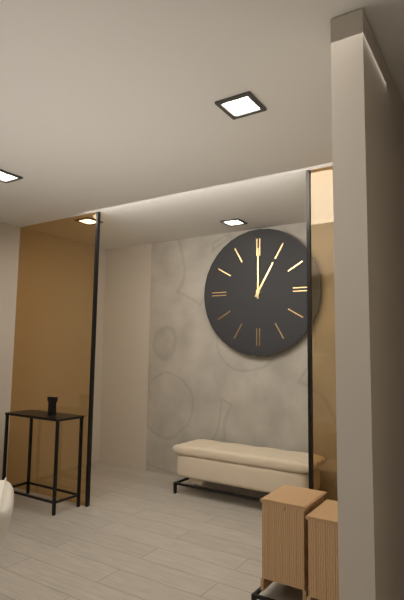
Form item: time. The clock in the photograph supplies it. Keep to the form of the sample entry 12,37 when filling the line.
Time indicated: 1,00
